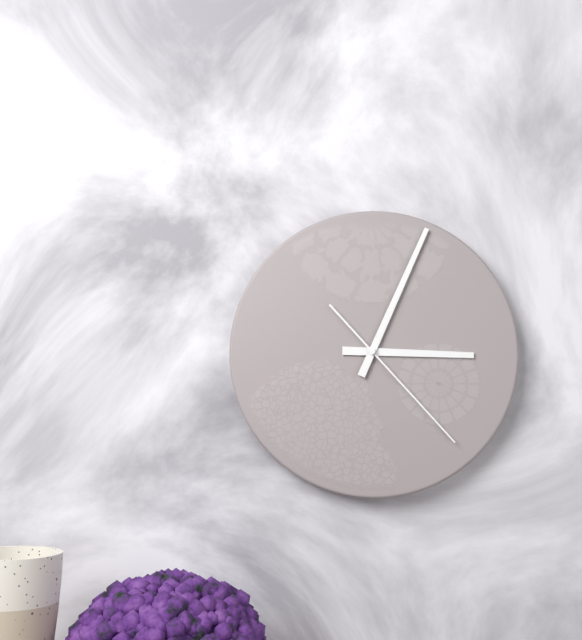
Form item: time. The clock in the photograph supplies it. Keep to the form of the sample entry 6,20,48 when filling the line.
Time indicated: 3,04,23
